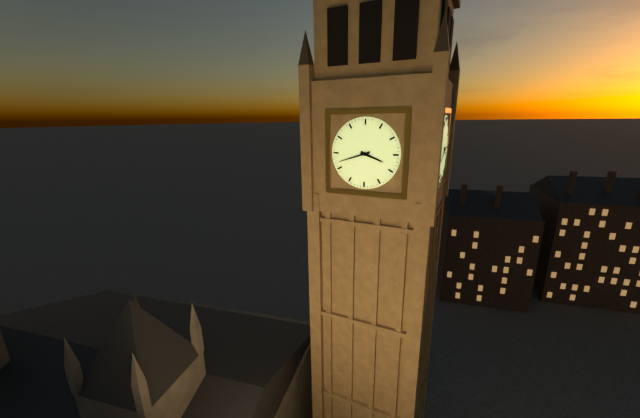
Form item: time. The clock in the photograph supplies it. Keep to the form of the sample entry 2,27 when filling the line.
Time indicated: 3,42
